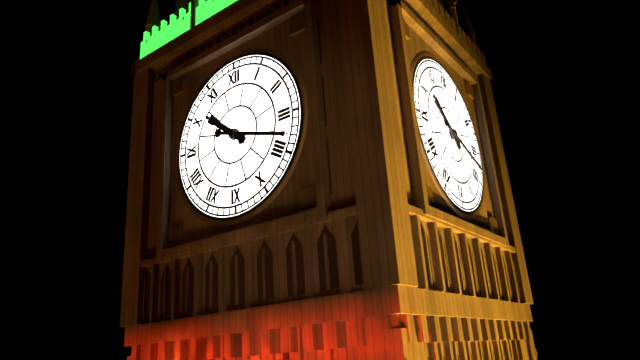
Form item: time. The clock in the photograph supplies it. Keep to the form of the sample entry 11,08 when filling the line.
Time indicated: 10,18
